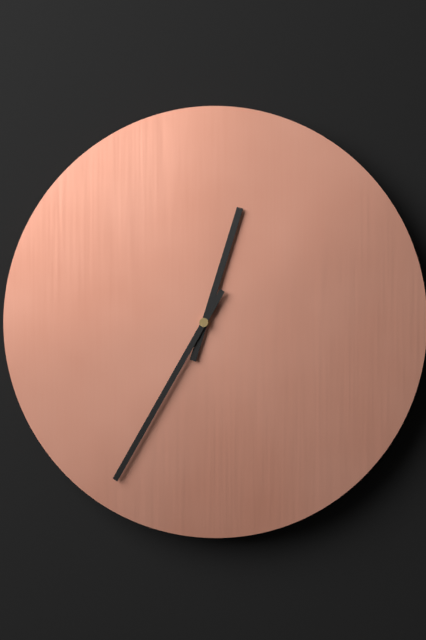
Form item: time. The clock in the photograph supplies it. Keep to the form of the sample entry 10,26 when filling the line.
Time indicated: 12,35
